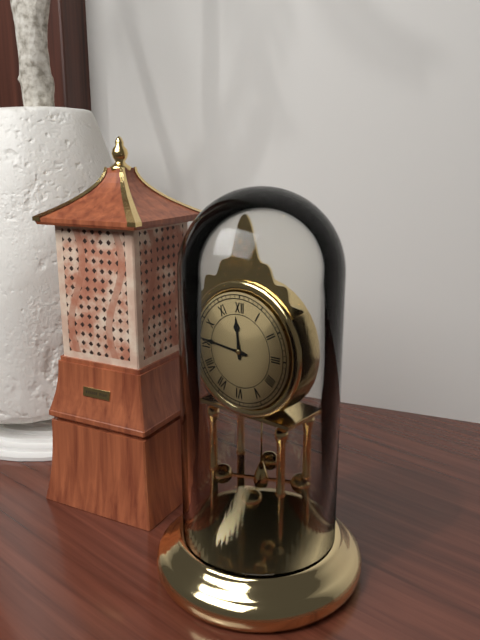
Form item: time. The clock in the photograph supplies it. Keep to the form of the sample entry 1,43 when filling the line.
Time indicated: 11,46
